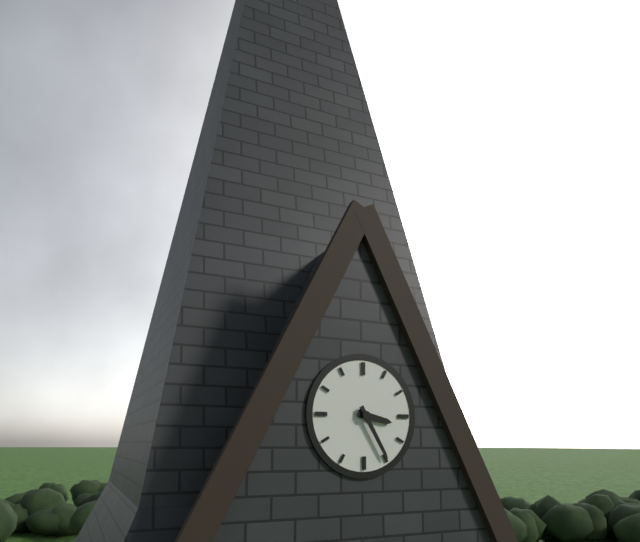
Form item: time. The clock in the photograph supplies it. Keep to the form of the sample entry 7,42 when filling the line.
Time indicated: 3,25
